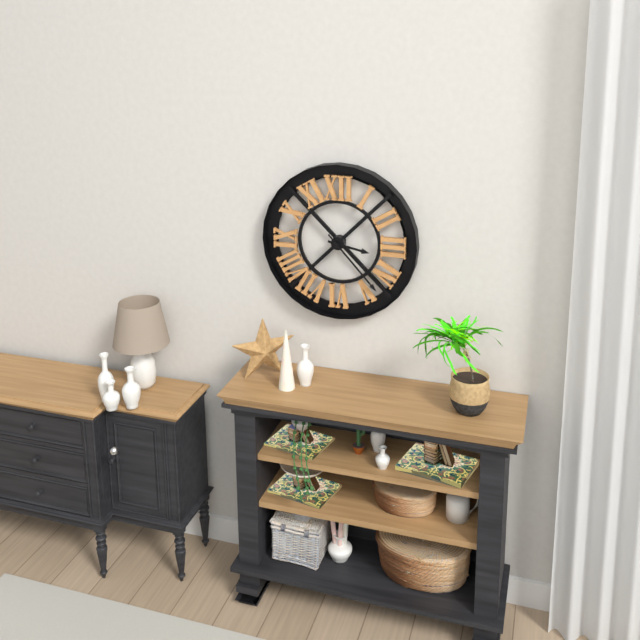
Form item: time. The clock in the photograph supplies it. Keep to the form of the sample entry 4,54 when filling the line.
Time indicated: 3,23
